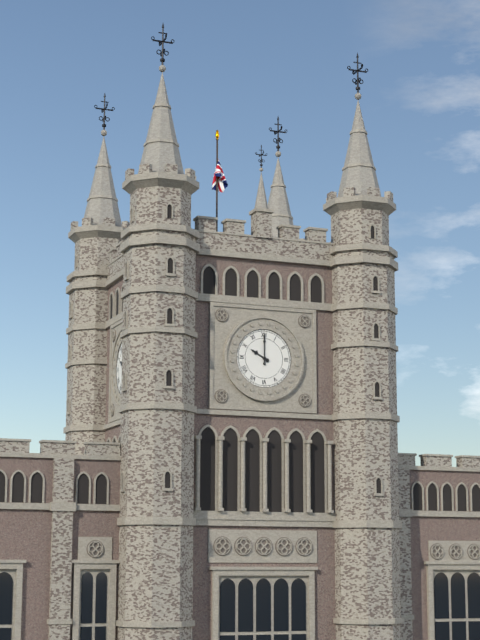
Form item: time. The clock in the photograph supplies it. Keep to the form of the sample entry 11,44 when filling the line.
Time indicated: 10,00
